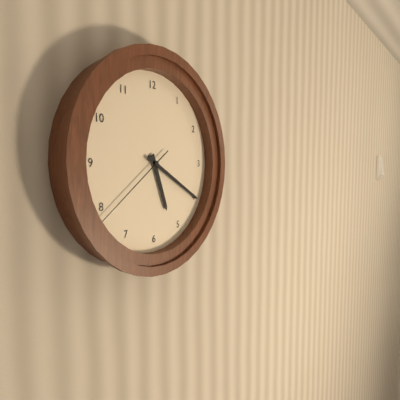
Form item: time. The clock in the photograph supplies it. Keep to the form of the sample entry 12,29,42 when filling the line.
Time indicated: 5,20,39
